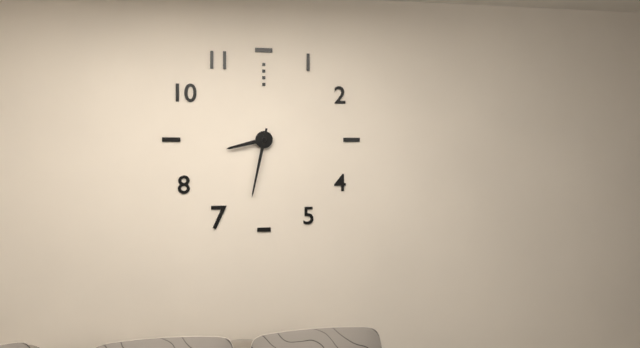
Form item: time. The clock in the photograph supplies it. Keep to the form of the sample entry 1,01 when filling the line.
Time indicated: 8,32
